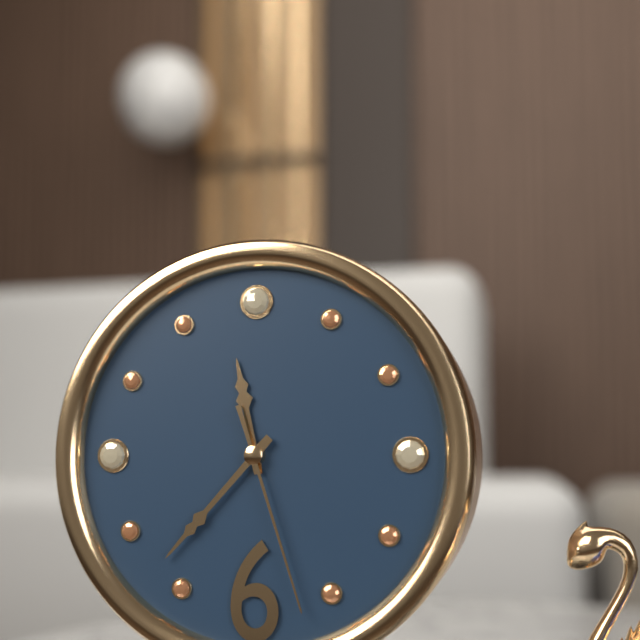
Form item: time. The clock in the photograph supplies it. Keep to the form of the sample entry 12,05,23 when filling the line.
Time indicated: 11,37,27
